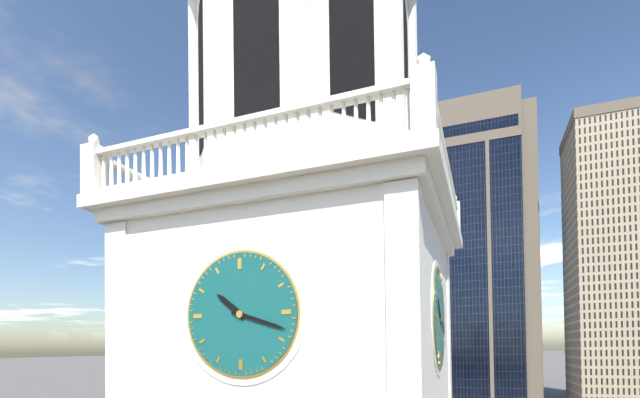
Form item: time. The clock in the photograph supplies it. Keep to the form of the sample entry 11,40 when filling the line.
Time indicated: 10,18
